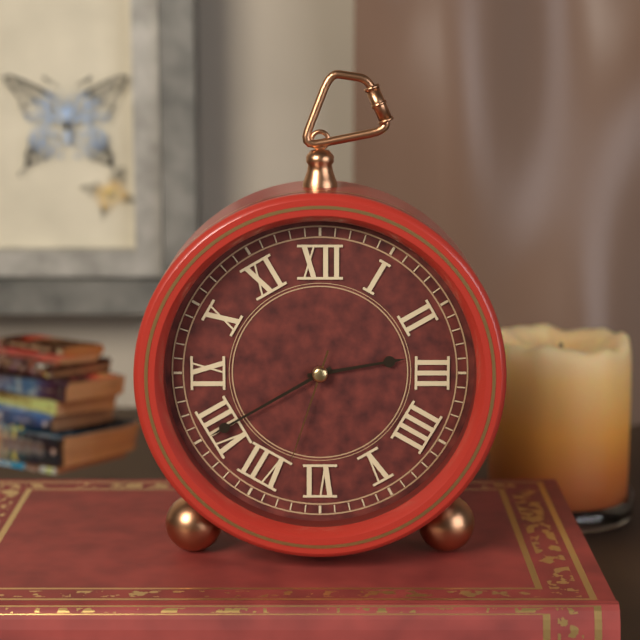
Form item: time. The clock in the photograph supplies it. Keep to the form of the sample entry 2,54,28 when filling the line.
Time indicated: 2,40,33
